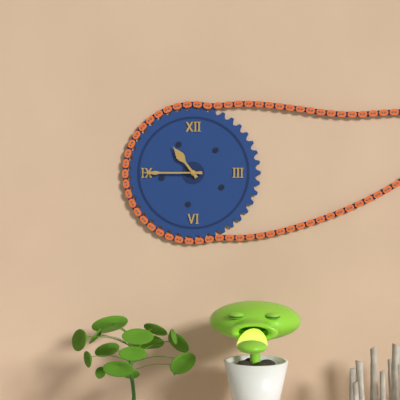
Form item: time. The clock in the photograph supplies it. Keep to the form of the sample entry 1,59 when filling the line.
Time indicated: 10,45
